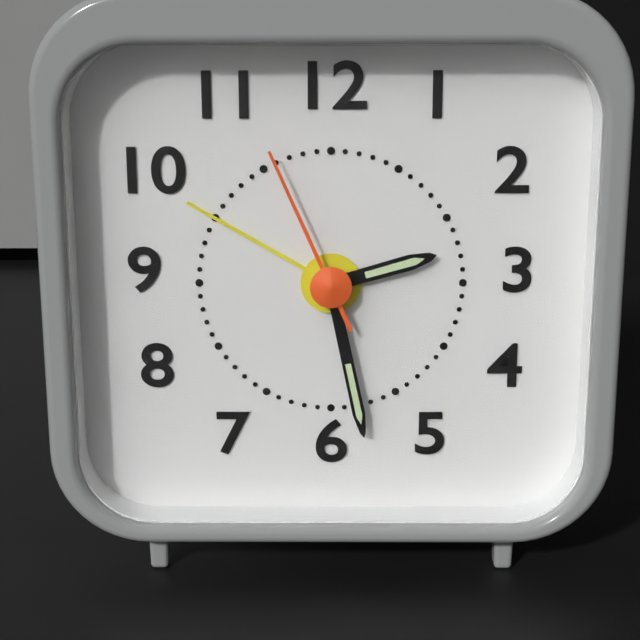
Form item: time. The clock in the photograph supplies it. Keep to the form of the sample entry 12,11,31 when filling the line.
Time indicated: 2,28,56
